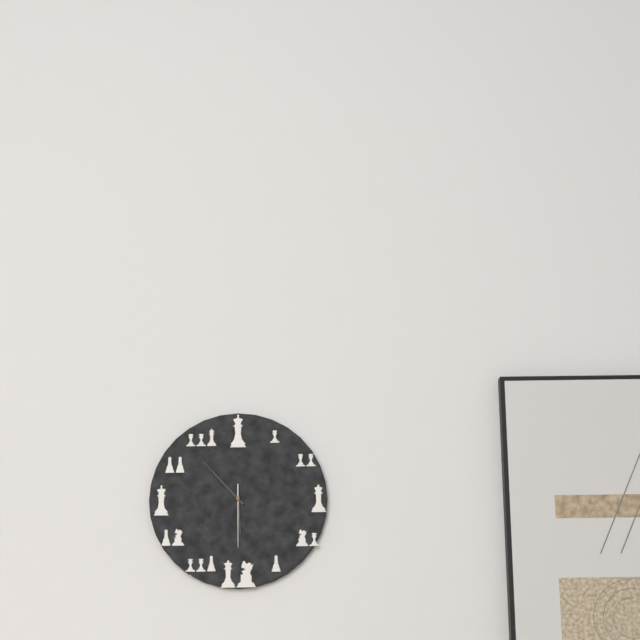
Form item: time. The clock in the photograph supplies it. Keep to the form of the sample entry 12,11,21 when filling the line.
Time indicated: 5,53,30
